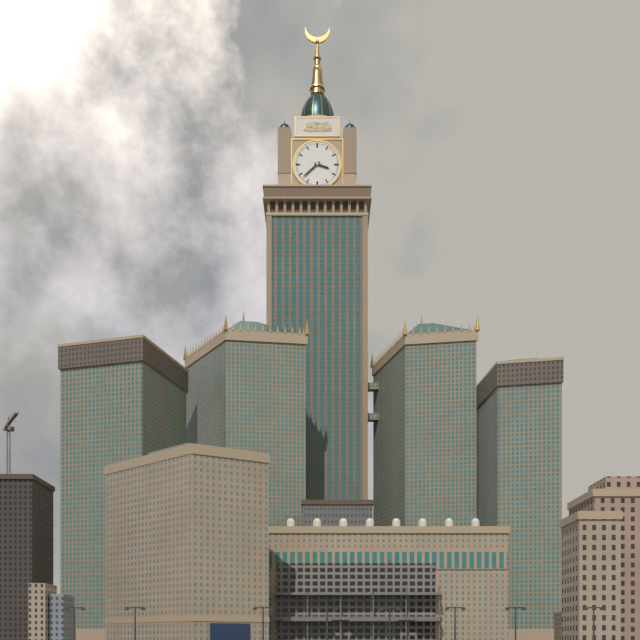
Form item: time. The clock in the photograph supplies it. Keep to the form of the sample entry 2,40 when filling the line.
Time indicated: 3,38
